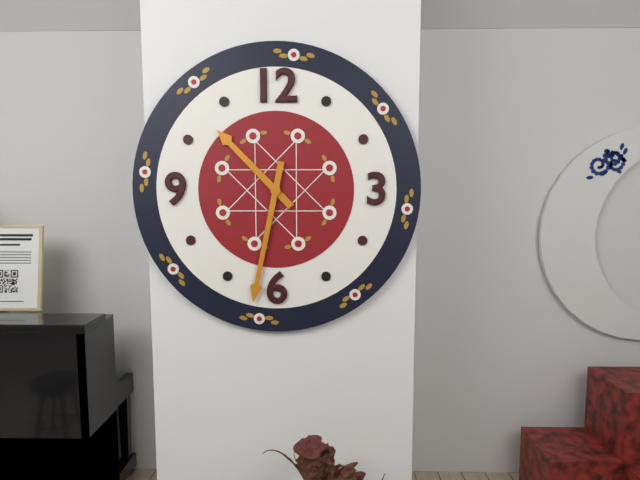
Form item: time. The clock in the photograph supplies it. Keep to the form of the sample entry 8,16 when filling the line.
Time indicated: 10,32
